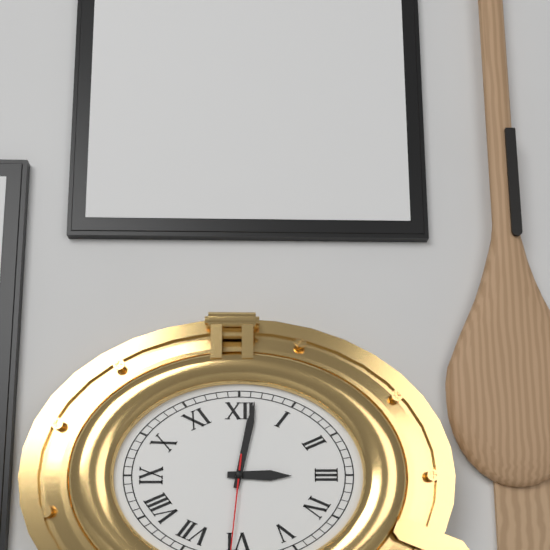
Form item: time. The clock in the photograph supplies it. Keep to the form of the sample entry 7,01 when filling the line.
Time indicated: 3,02
